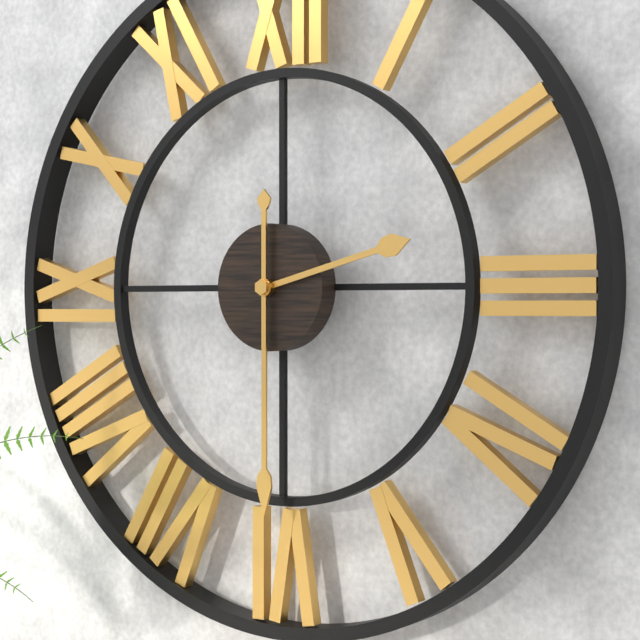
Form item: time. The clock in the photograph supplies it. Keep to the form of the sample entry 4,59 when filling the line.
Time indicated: 2,30
